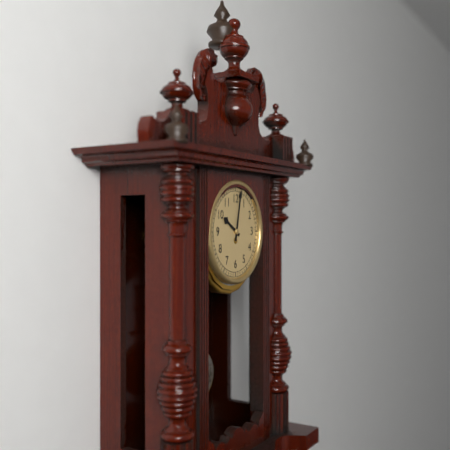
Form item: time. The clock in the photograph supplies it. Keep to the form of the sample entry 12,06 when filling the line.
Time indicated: 10,02
